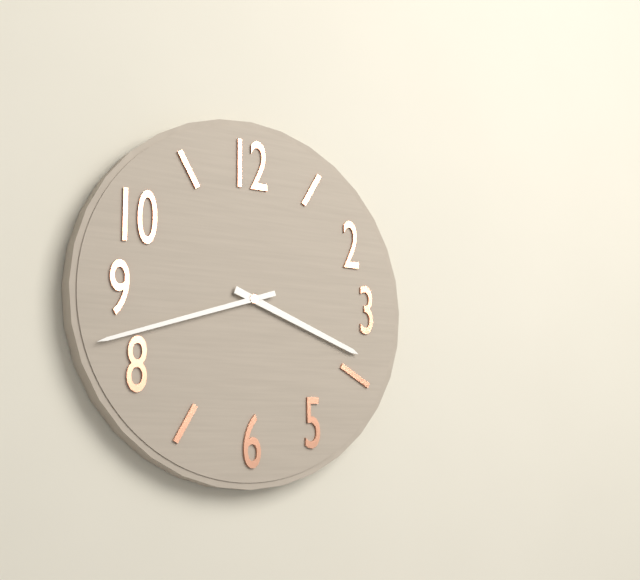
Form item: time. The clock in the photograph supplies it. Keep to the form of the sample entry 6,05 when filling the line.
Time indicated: 3,42
